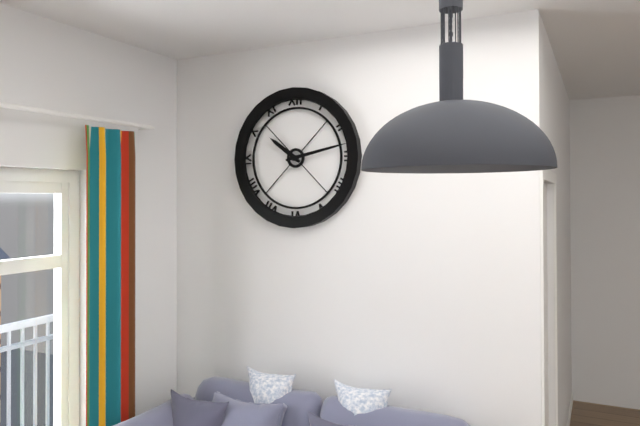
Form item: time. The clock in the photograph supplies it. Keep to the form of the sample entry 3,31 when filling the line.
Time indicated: 10,13
